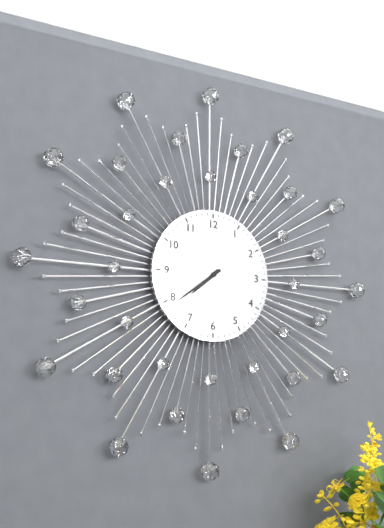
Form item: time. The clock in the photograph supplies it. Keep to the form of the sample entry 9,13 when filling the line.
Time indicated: 7,39
